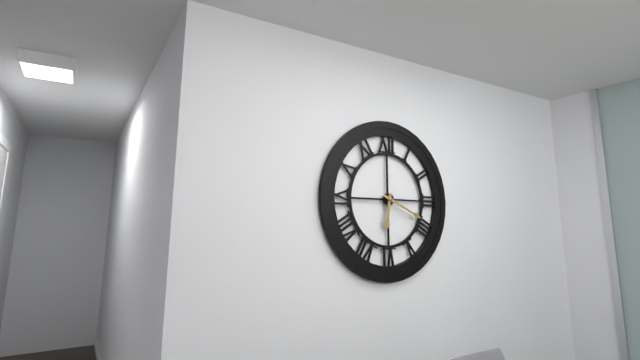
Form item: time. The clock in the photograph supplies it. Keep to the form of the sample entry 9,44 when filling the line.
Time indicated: 6,19
